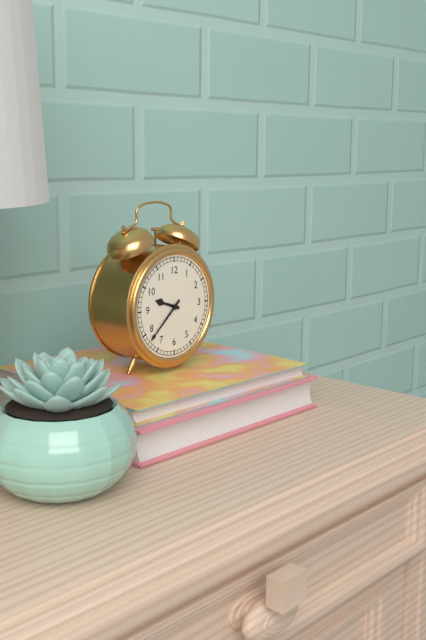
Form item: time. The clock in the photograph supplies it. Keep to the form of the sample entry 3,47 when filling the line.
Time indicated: 9,38
